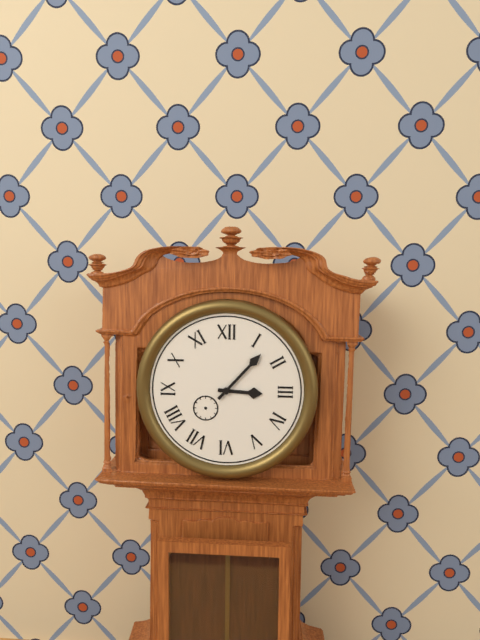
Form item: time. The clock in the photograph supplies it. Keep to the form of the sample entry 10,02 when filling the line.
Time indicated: 3,07
